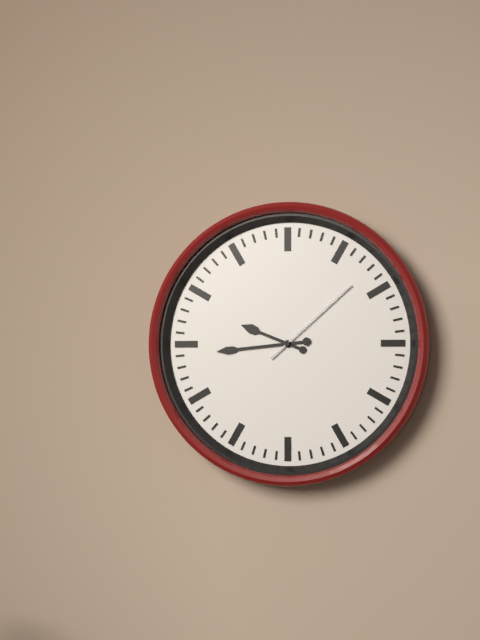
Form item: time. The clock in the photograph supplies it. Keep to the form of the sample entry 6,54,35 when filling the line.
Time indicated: 9,44,08
